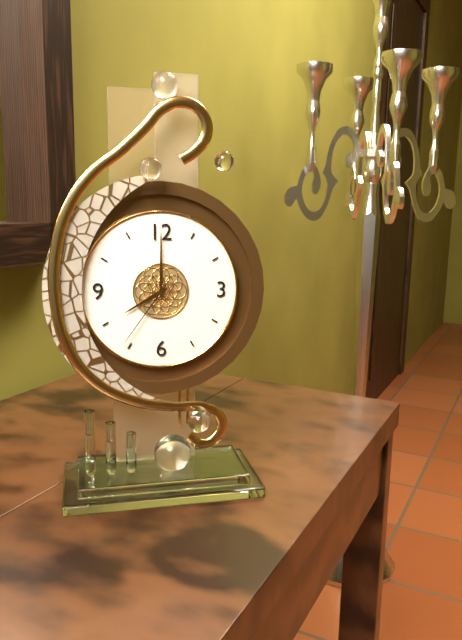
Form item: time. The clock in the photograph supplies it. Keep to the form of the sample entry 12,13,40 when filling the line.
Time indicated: 8,00,36
